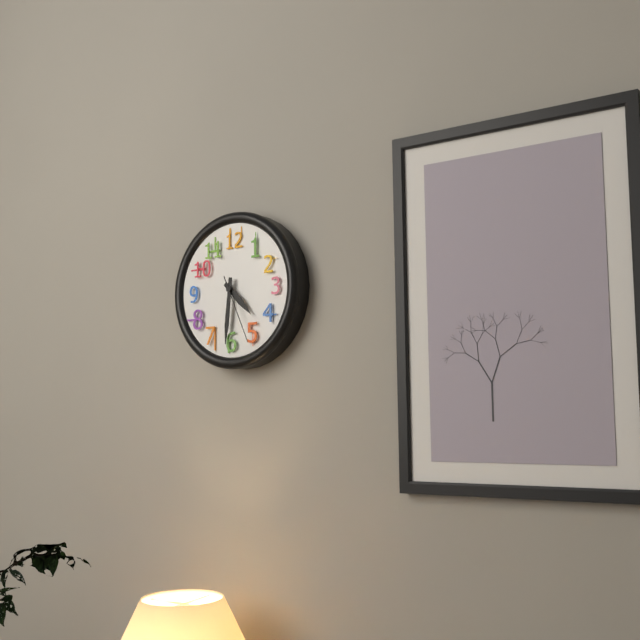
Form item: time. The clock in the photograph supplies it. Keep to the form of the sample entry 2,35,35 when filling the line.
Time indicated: 4,31,26
